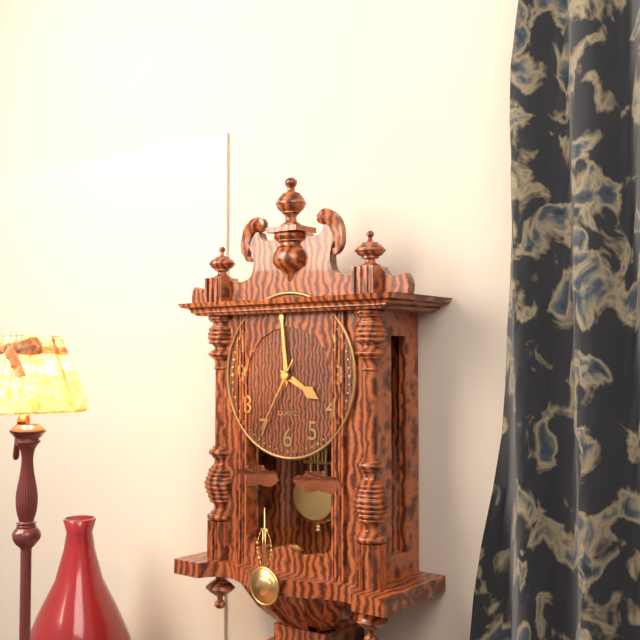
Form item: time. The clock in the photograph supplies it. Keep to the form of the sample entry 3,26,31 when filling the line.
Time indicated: 3,59,35
